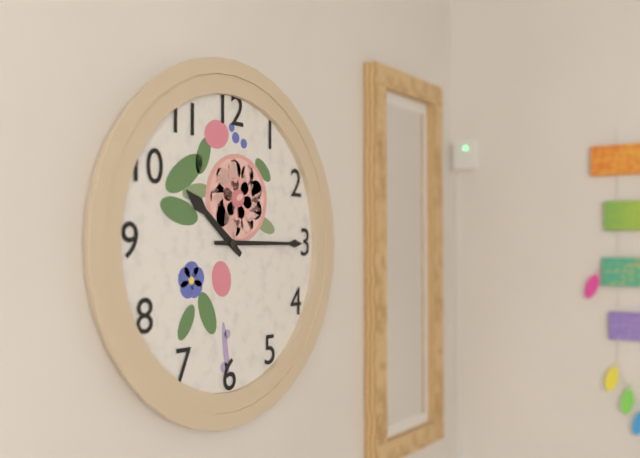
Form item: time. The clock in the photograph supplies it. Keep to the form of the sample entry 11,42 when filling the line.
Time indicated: 10,15
